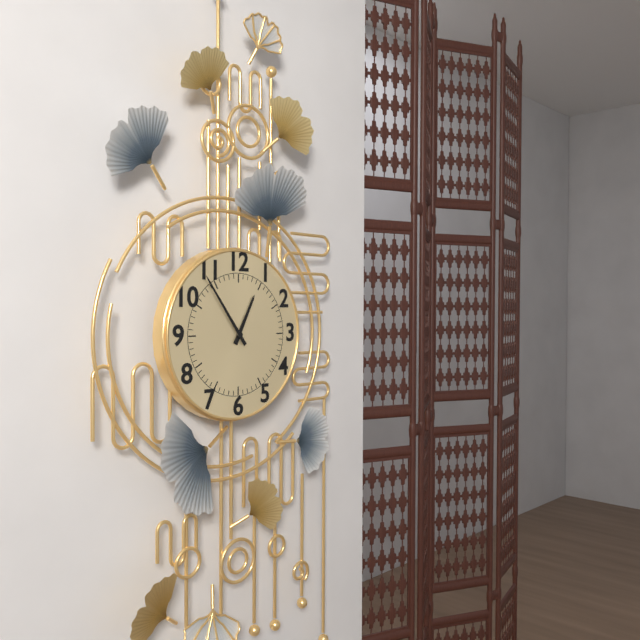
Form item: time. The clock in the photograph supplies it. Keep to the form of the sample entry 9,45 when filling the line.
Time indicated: 12,54
